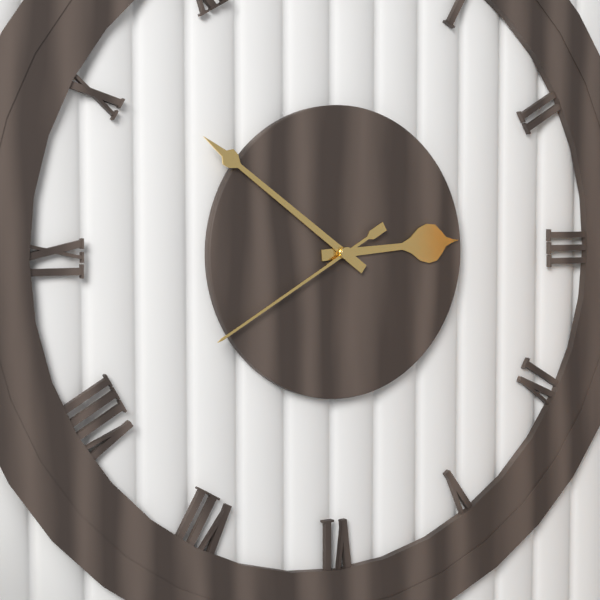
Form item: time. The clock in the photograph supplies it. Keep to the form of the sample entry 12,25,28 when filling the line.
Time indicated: 2,51,40
